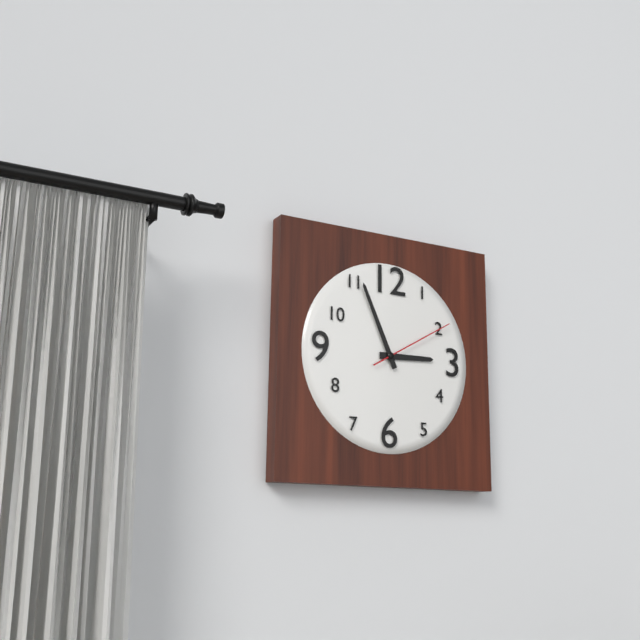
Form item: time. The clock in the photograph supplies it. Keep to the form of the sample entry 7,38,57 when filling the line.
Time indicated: 2,56,10
